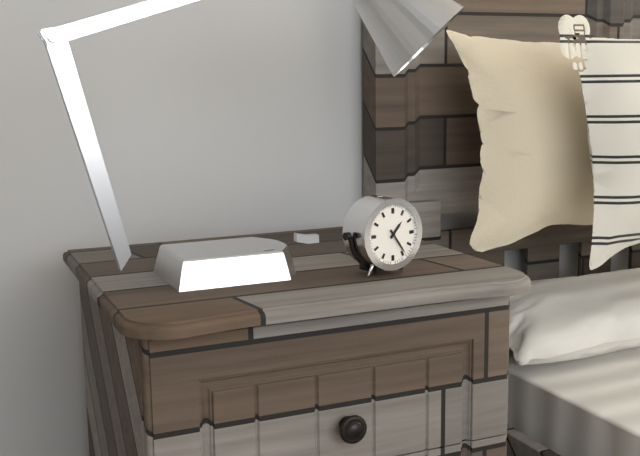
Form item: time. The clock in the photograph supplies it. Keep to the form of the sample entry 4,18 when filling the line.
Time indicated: 1,24
